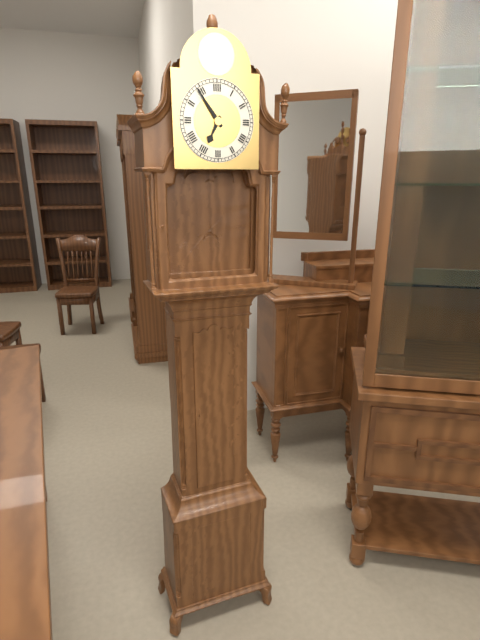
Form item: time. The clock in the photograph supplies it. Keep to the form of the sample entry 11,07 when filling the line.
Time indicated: 6,54
